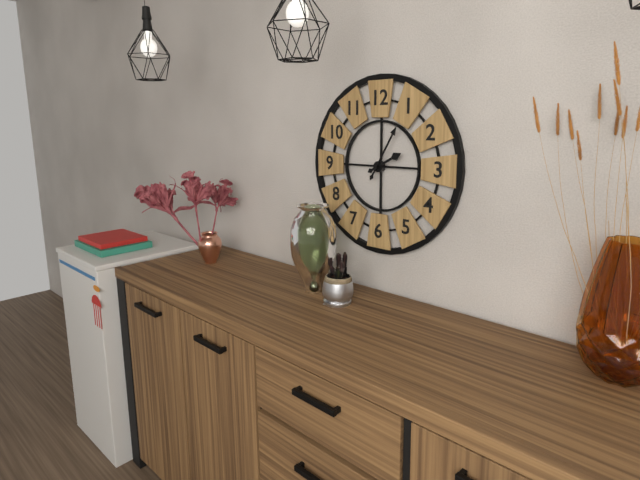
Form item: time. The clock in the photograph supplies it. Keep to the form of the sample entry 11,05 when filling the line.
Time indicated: 2,05
